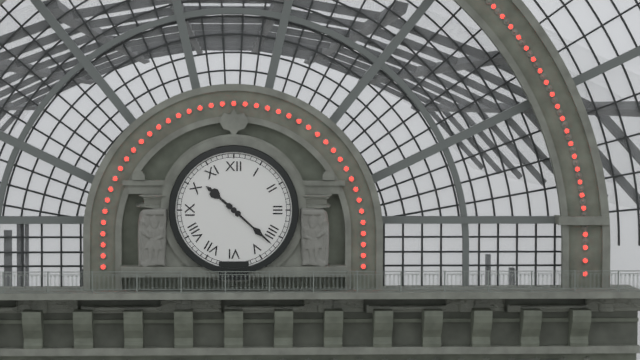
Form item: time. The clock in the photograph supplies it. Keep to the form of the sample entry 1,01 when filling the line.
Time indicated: 10,22
